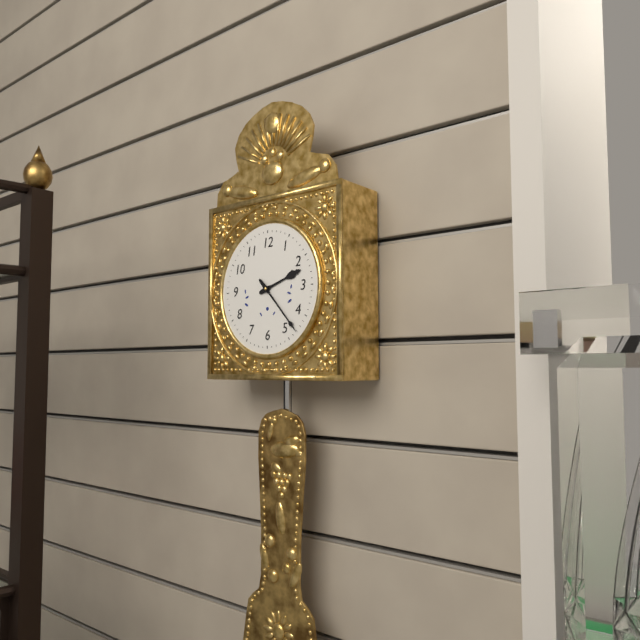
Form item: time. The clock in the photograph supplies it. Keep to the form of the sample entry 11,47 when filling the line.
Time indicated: 2,23
